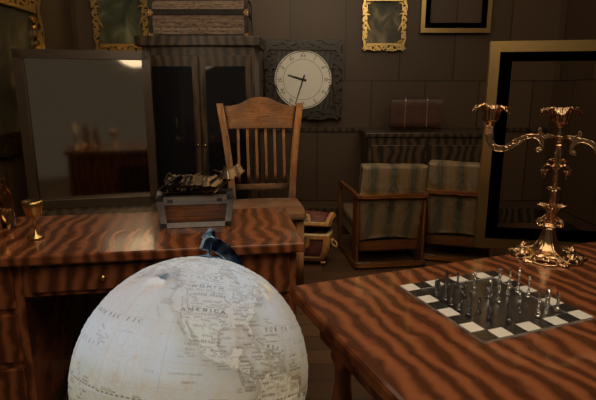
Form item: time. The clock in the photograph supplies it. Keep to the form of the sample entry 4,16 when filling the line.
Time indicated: 9,33
